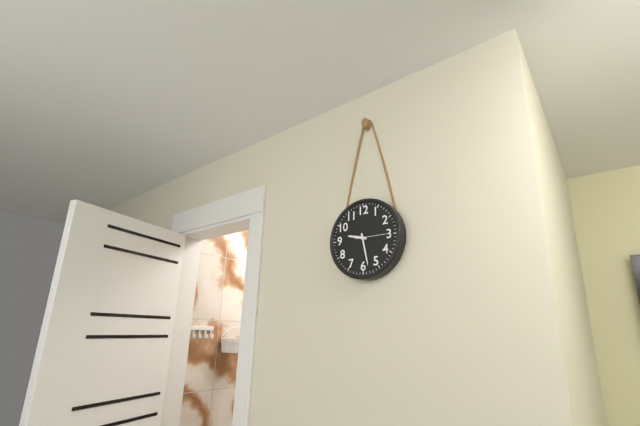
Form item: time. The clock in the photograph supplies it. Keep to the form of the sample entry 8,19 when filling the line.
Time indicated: 9,28
